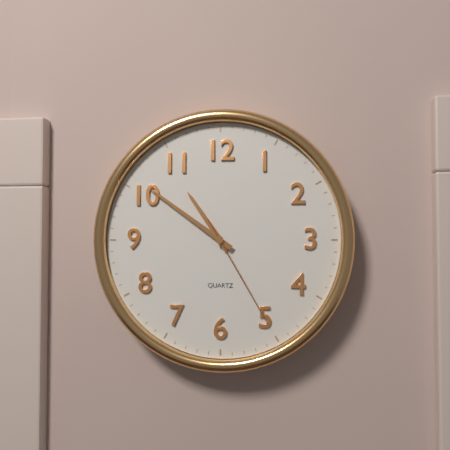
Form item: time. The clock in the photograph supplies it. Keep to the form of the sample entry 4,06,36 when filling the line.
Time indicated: 10,51,25
